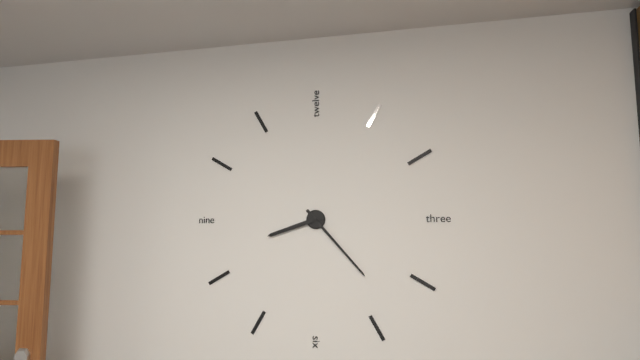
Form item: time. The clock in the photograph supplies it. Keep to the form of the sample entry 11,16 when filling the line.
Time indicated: 8,23
